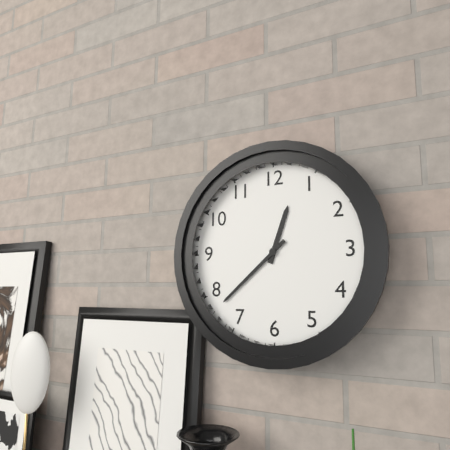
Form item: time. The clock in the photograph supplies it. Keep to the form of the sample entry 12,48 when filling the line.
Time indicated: 12,38
